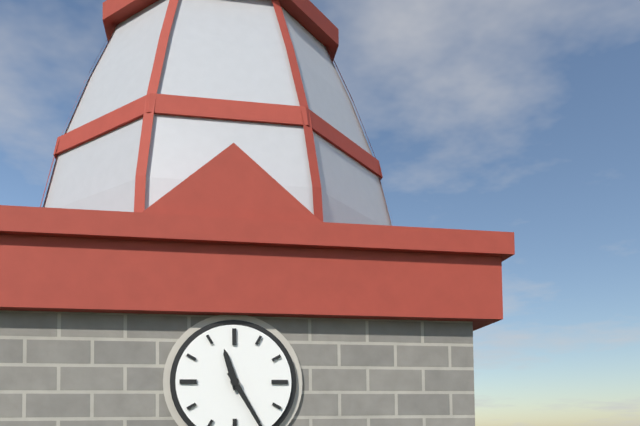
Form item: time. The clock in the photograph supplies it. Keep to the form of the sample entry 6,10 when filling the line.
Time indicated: 11,25
